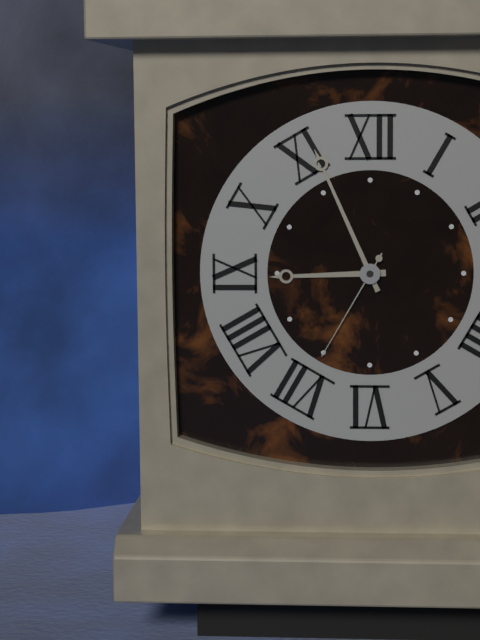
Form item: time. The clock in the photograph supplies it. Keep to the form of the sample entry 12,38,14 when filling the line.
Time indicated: 8,56,35
